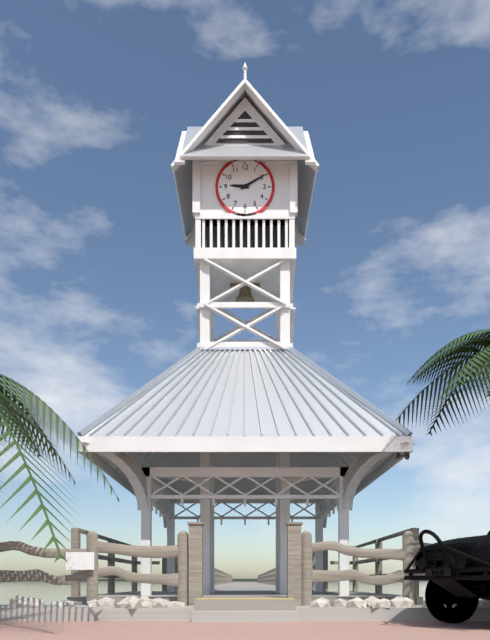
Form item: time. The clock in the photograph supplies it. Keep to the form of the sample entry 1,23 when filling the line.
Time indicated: 9,10
